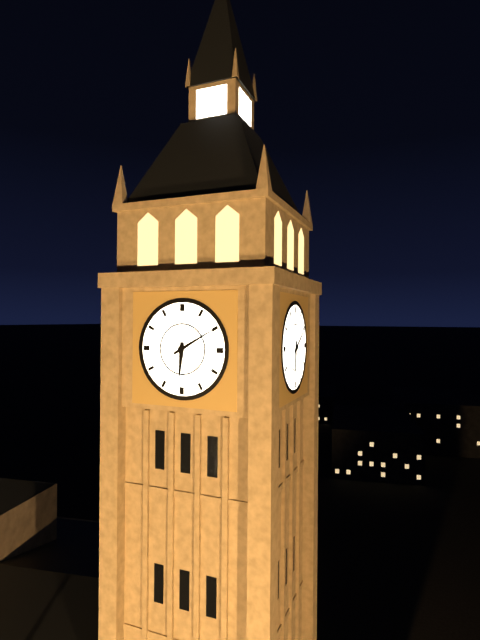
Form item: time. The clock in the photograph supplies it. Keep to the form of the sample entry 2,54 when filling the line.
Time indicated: 6,10
